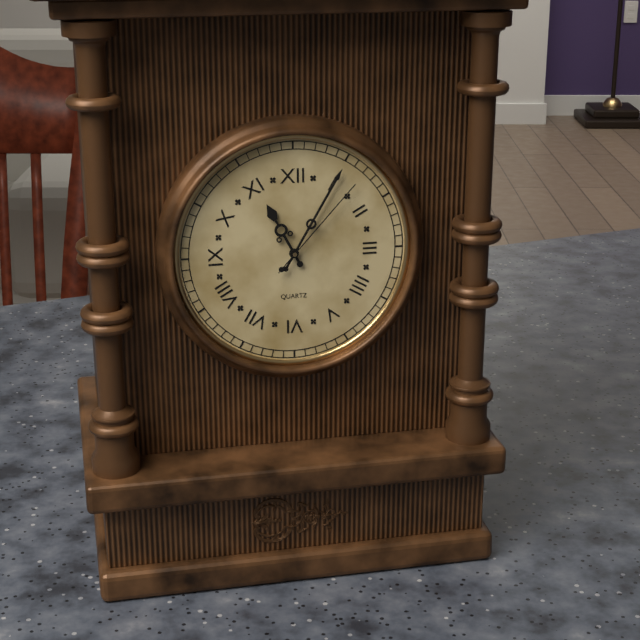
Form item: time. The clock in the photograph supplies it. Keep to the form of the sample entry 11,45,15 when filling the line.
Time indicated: 11,05,07
